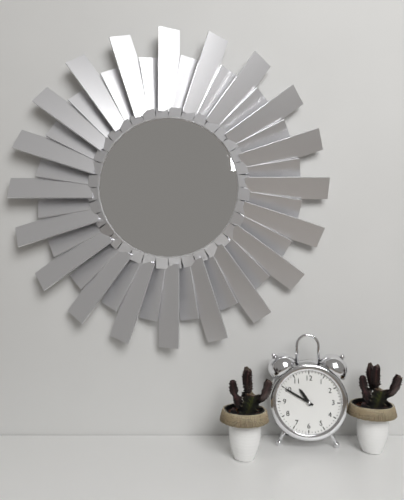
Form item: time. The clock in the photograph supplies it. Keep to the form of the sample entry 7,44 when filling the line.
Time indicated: 10,50
